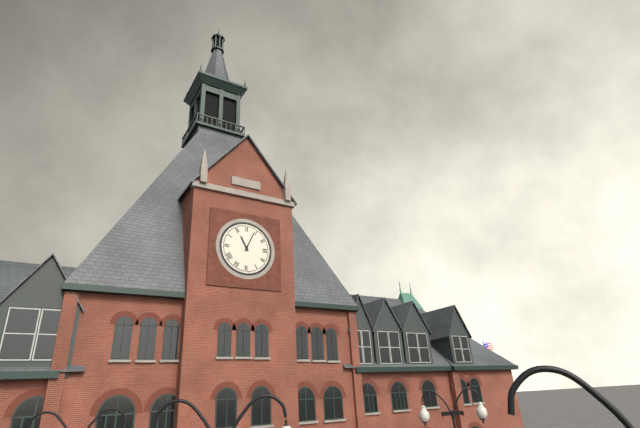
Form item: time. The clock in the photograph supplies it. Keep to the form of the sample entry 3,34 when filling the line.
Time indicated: 11,04
